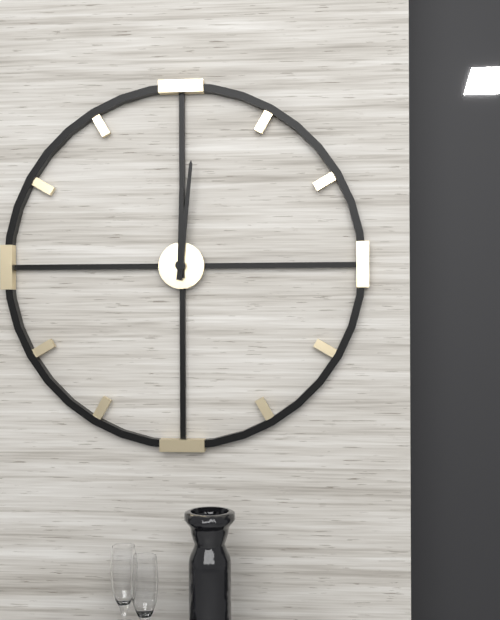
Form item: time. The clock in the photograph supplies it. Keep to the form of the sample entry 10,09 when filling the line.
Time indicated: 12,01
